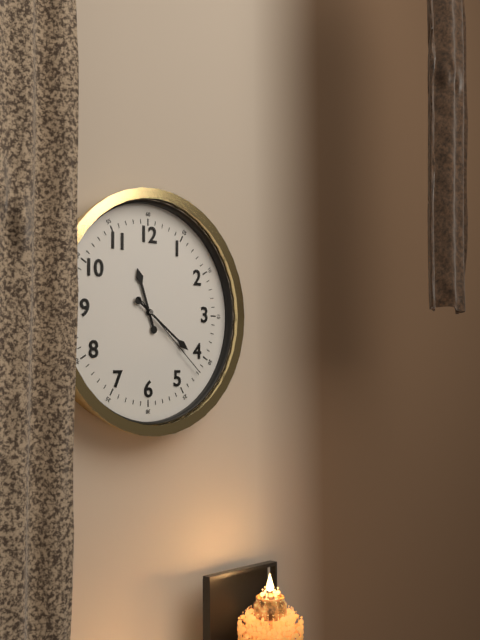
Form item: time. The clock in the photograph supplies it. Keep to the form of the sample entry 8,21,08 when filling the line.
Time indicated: 11,21,22
